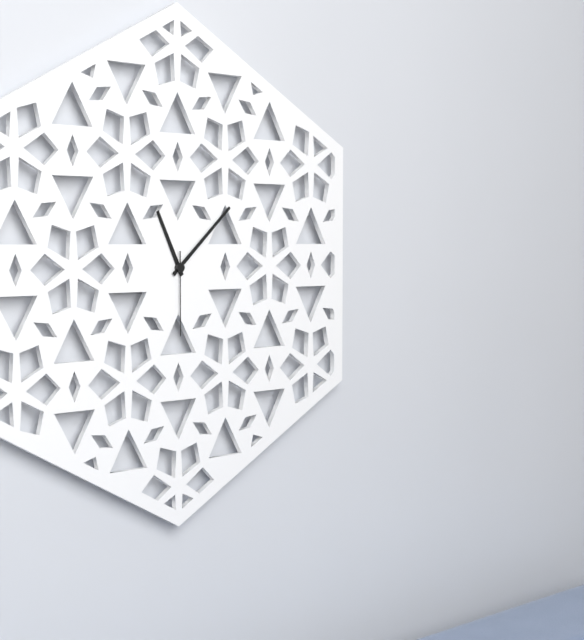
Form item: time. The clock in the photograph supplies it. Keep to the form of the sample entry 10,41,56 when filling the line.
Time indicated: 11,08,30
